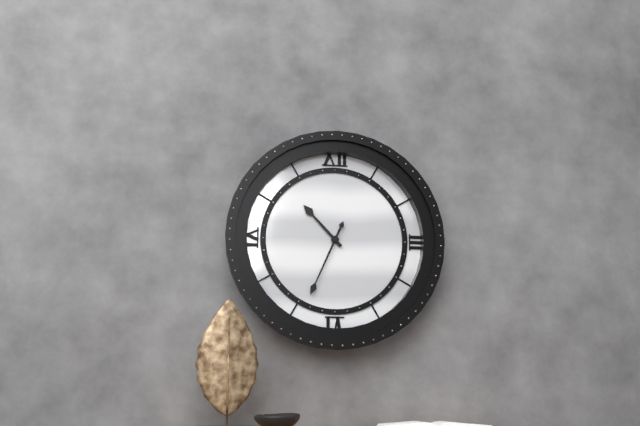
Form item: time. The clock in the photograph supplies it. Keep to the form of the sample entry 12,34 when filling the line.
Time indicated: 10,34
